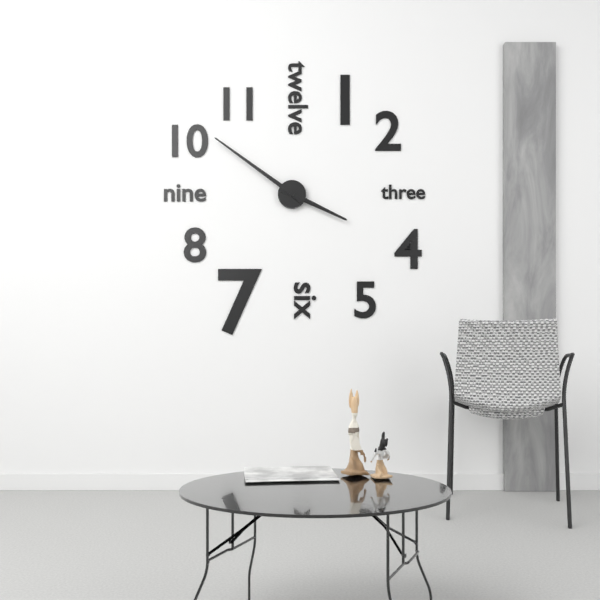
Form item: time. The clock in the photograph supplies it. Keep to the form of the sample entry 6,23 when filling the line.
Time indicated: 3,51
